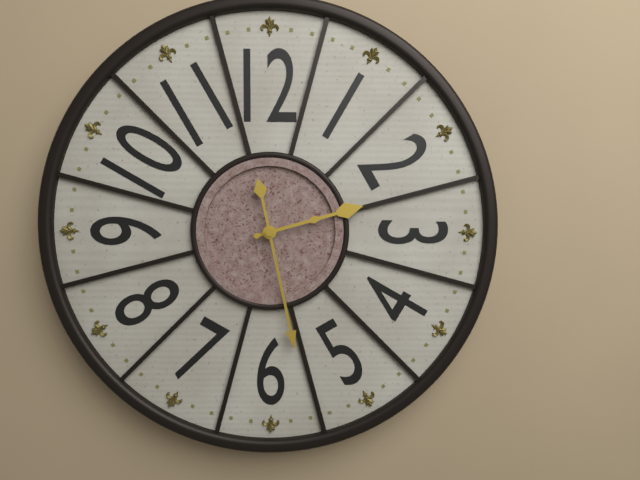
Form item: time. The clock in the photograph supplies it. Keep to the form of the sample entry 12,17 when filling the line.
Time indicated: 2,28
